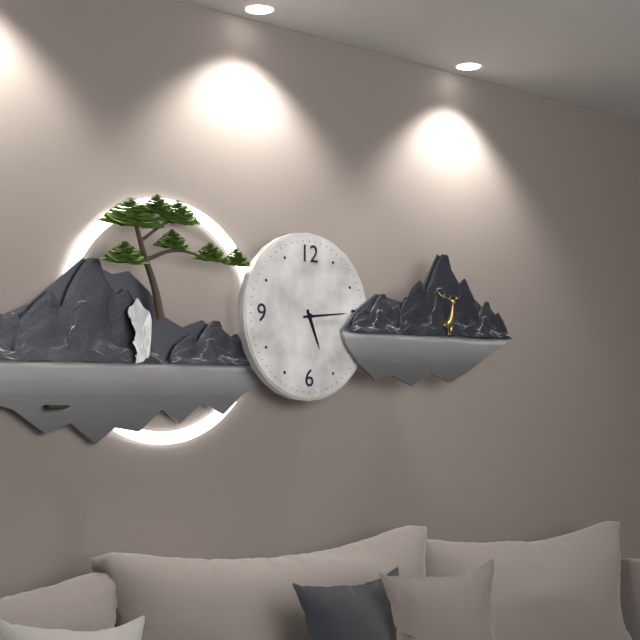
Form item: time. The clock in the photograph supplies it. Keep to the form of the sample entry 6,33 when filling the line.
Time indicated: 5,14
